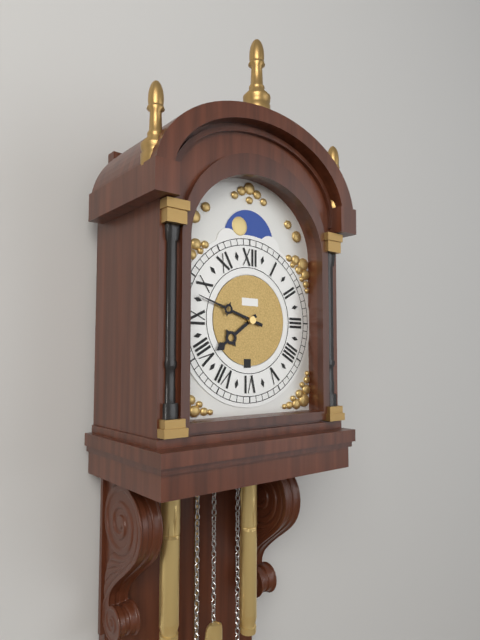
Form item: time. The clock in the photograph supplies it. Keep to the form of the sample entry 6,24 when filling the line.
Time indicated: 7,48
